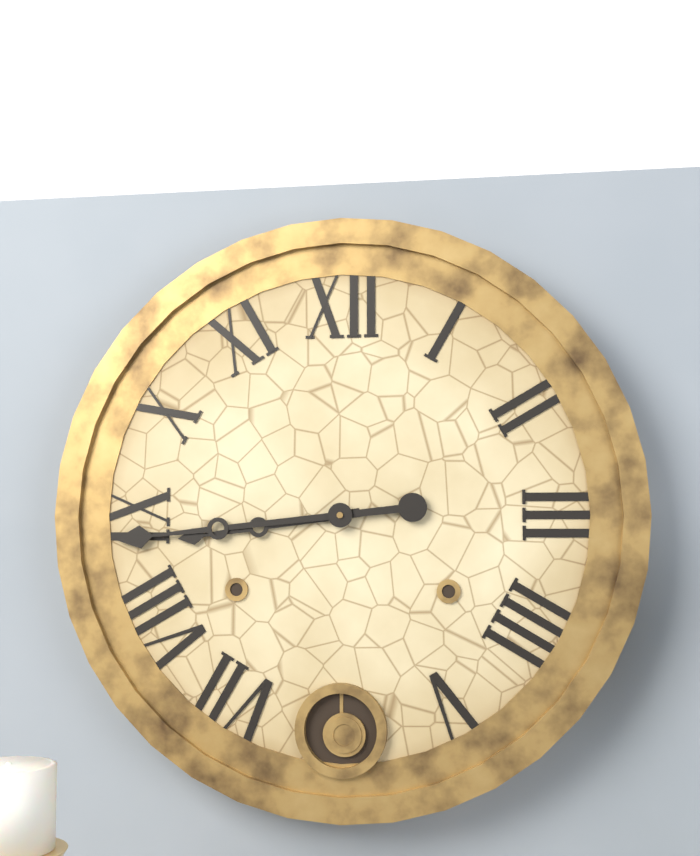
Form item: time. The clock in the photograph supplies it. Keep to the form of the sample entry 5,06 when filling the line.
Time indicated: 8,44
